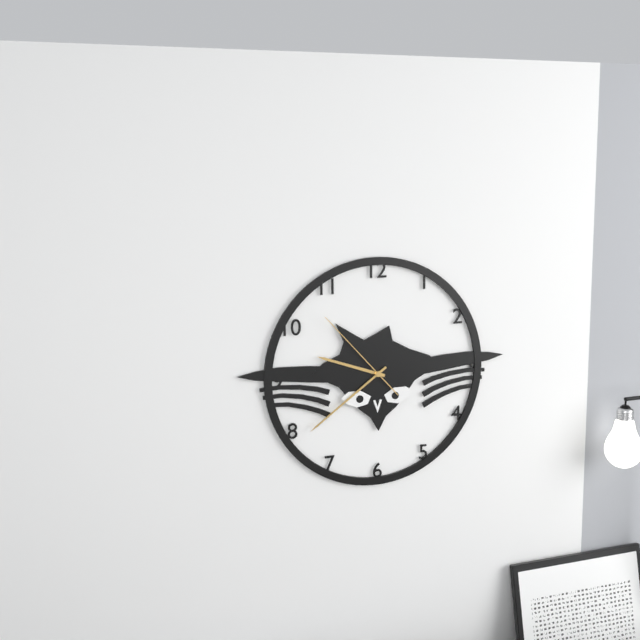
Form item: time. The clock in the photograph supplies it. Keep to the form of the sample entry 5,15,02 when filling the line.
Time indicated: 9,39,53
